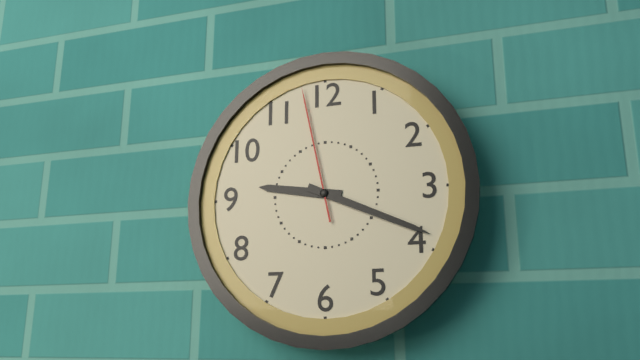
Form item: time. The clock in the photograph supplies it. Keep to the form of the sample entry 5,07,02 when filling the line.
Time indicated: 9,19,58
